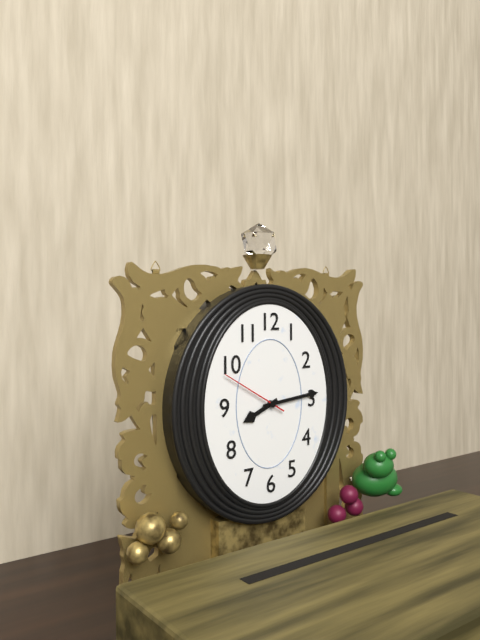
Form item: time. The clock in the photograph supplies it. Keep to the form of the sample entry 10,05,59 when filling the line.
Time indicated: 8,14,50
